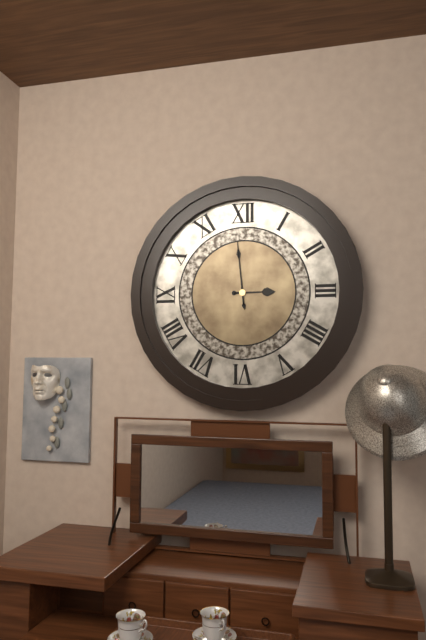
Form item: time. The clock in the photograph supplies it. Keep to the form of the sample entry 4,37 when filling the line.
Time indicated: 2,59
